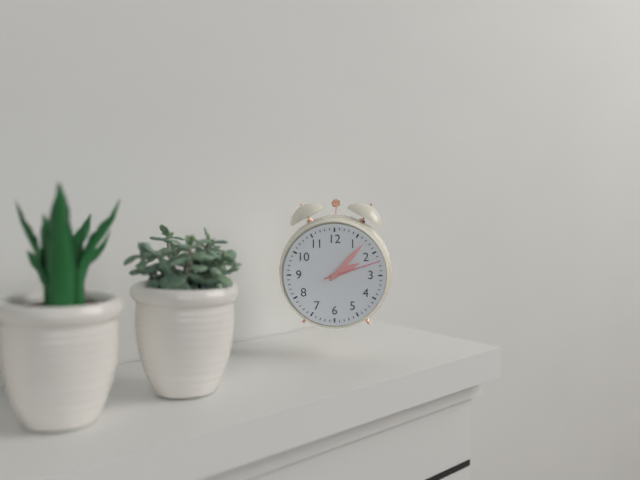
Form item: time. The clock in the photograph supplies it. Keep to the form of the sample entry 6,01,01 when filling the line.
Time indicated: 2,07,12
